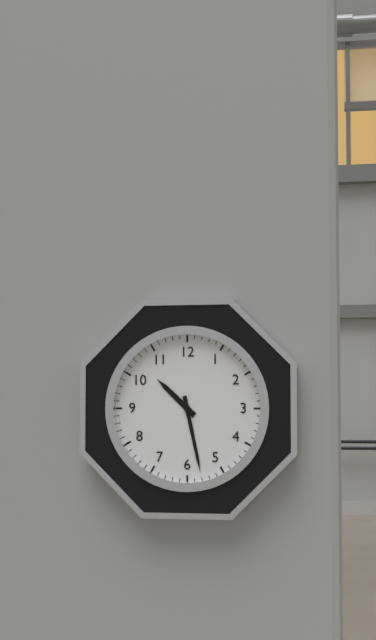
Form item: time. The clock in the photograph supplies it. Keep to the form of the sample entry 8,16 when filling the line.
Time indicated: 10,28
